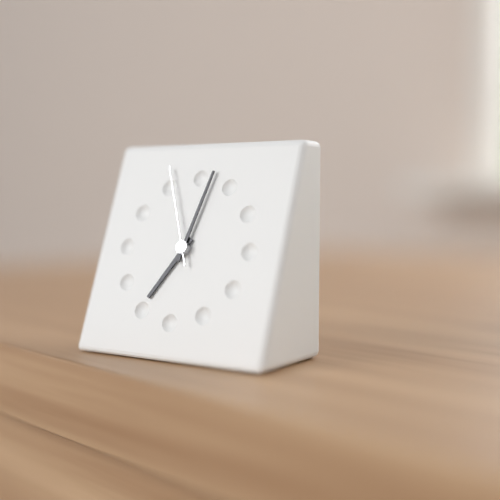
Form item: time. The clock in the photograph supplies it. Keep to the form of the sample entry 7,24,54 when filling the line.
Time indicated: 7,02,56
